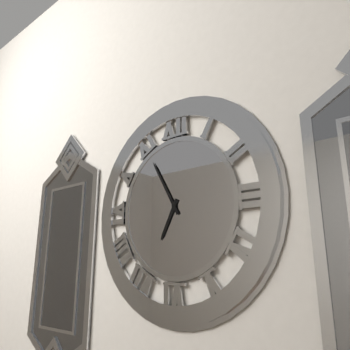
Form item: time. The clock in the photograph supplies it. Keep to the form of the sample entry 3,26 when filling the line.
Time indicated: 6,55
